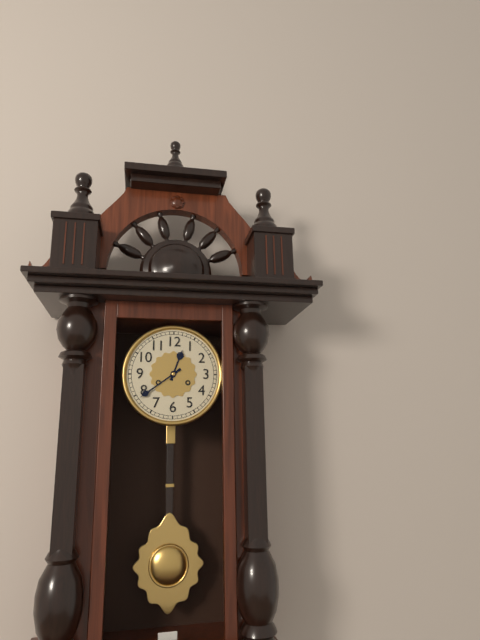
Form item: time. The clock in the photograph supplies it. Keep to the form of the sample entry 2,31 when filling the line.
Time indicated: 12,39
